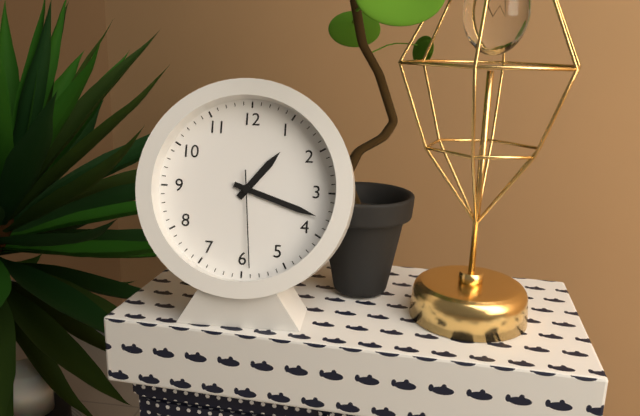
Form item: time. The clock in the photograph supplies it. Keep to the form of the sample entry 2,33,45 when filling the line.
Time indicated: 1,18,29
